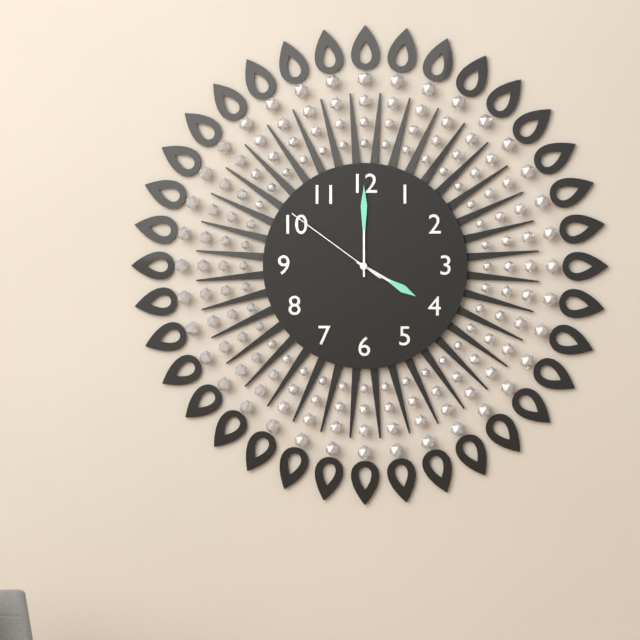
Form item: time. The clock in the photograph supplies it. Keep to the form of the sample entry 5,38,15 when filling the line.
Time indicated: 4,00,51
